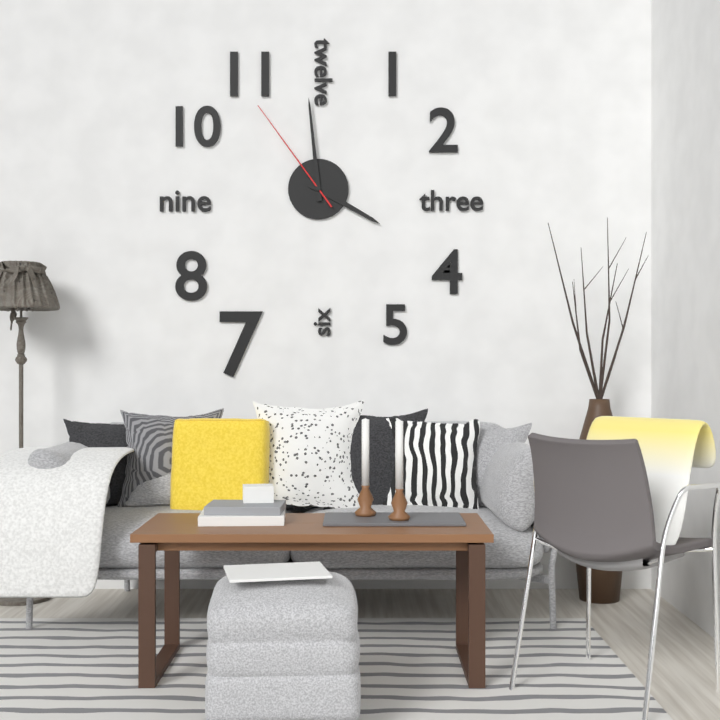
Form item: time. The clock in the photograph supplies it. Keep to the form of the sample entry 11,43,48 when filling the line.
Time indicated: 3,59,54
